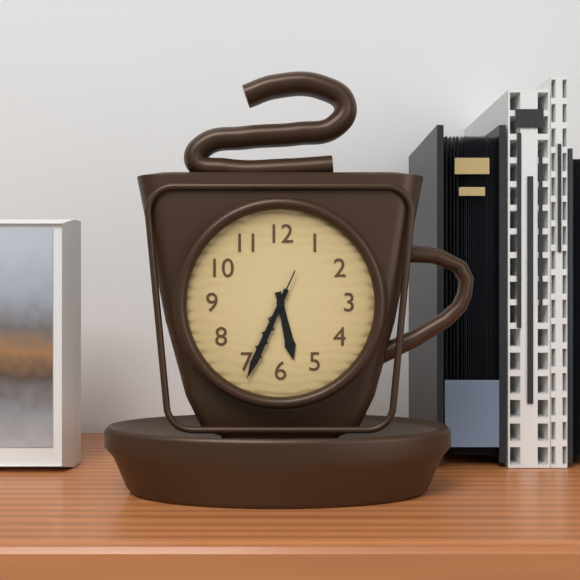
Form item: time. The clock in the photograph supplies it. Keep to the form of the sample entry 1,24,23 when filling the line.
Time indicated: 5,34,34
